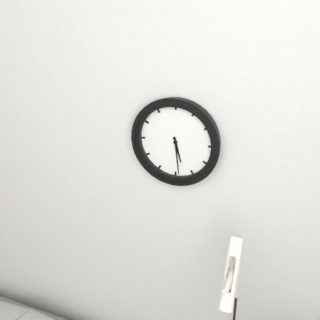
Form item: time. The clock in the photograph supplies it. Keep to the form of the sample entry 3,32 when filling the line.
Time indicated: 5,29
